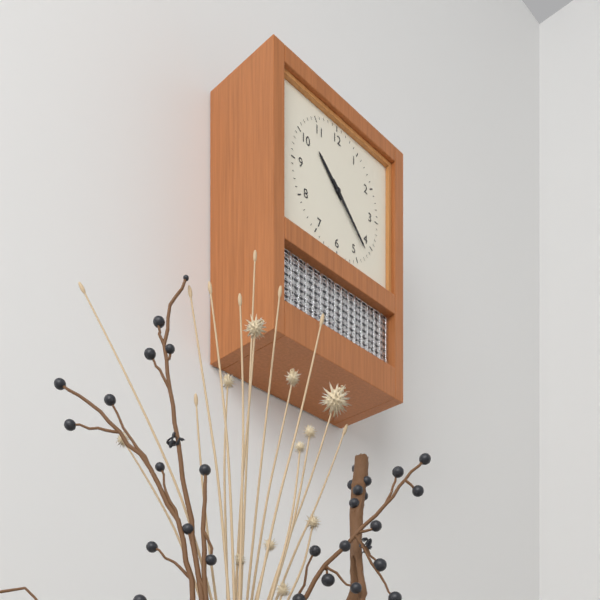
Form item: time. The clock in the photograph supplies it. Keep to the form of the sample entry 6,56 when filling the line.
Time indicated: 10,22
